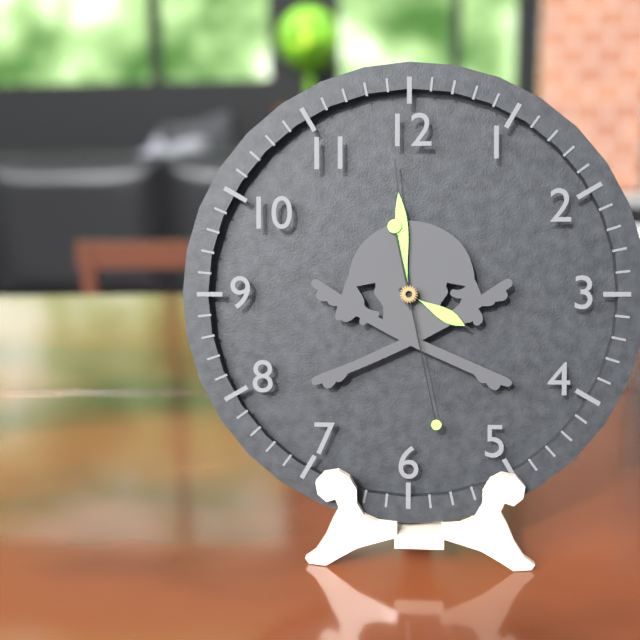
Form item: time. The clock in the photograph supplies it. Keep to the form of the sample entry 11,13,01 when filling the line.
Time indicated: 3,59,28
